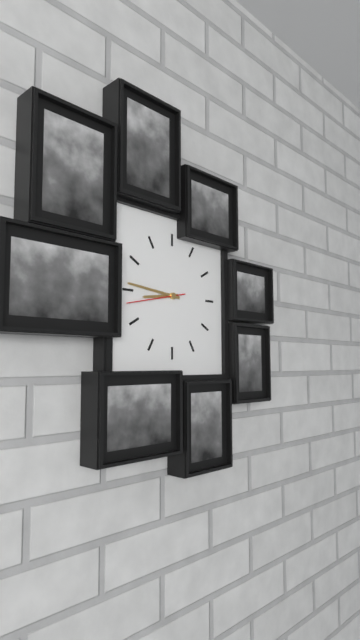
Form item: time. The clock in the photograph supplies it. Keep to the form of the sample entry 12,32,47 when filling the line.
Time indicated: 8,46,43
